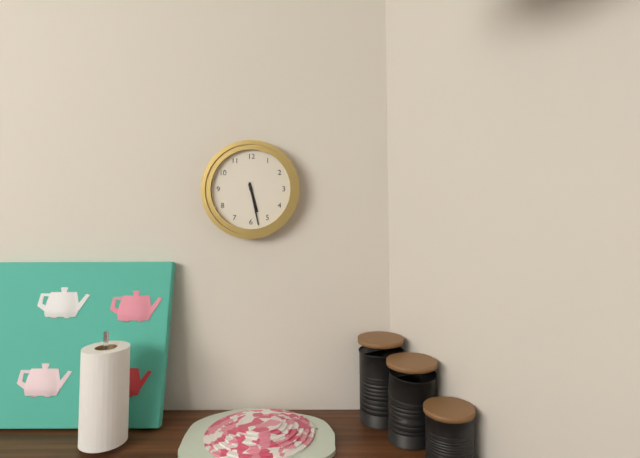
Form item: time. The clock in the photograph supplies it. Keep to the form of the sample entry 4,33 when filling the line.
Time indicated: 5,28
